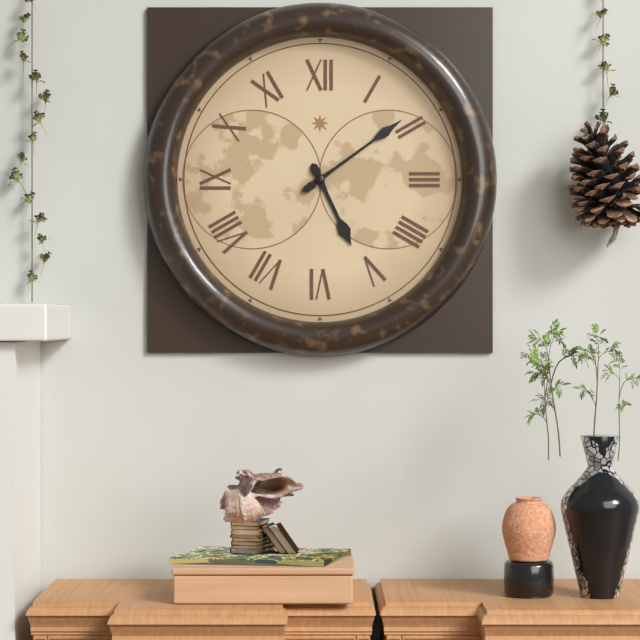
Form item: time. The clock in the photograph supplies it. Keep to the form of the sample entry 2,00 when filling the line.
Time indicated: 5,09
